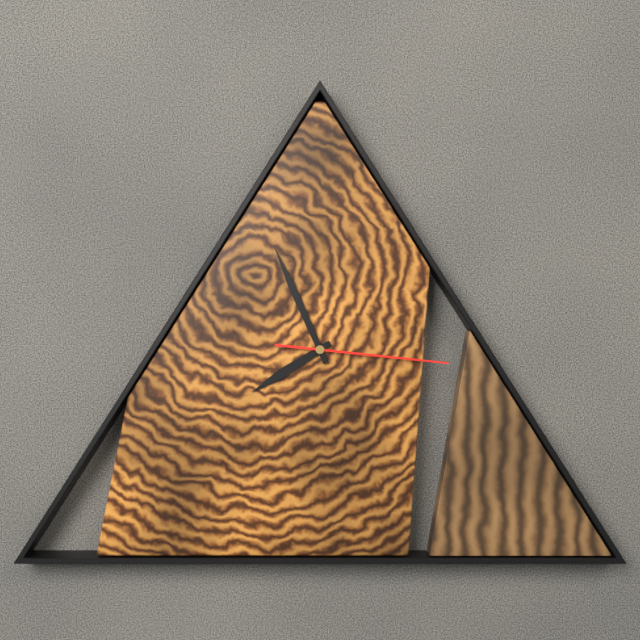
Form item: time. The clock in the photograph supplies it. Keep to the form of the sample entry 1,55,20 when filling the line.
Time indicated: 7,56,16
